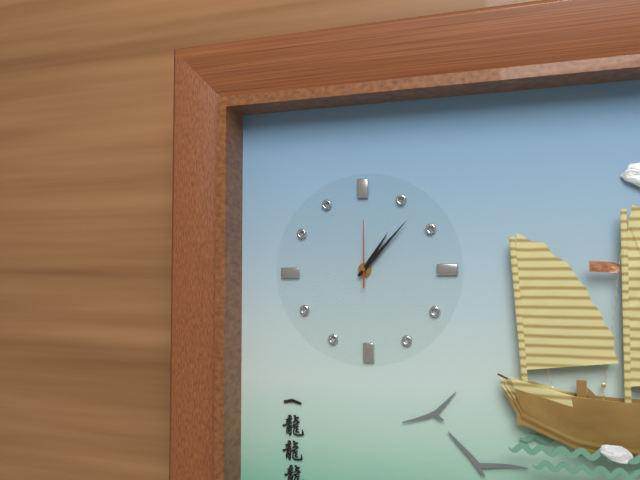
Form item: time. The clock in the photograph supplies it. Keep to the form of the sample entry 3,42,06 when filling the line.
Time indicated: 1,07,00
